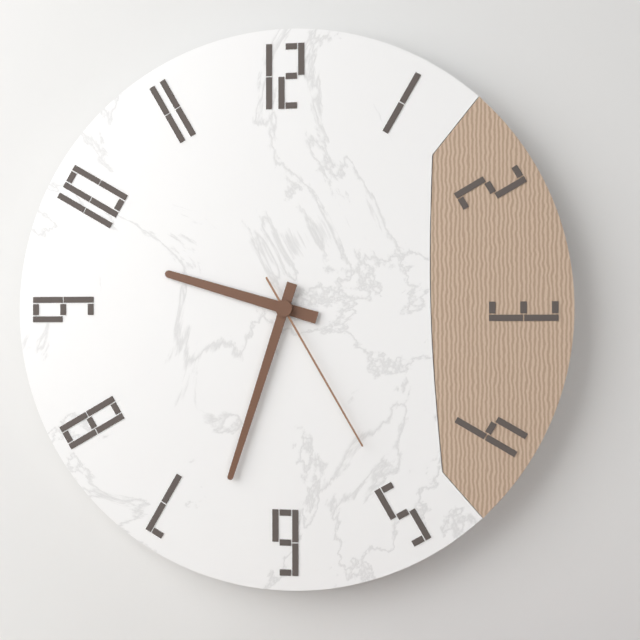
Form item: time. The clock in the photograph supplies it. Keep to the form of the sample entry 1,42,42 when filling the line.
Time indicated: 9,33,25
